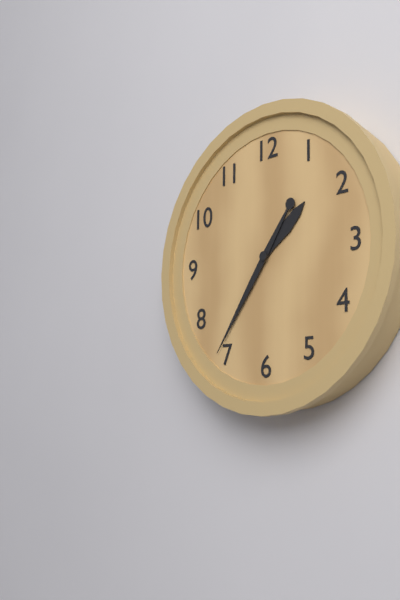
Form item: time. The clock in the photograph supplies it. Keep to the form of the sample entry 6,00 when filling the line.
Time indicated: 1,36
